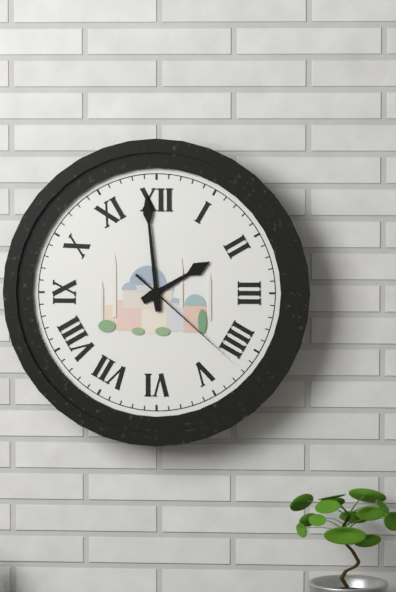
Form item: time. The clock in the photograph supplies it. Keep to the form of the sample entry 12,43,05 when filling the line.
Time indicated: 1,59,22
